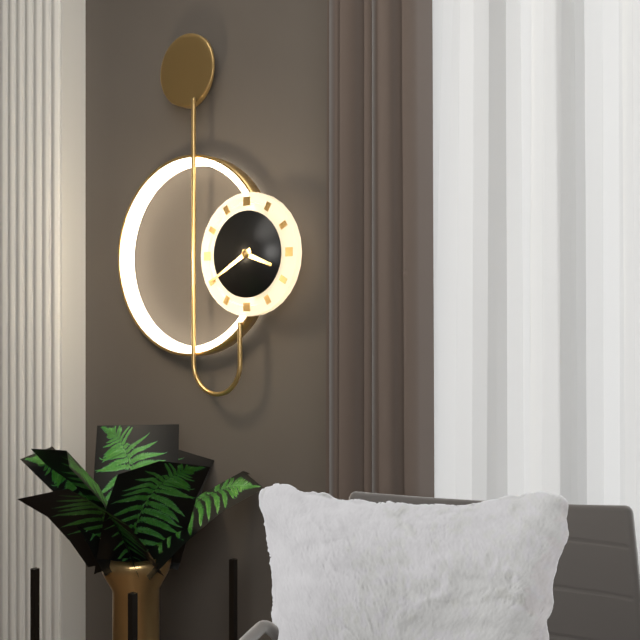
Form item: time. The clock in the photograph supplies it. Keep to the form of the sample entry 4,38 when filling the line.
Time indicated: 3,40
